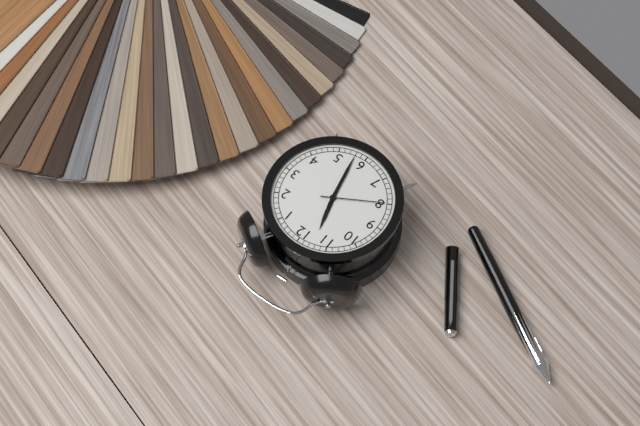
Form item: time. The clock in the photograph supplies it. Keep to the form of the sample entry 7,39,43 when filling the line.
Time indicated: 11,28,40
